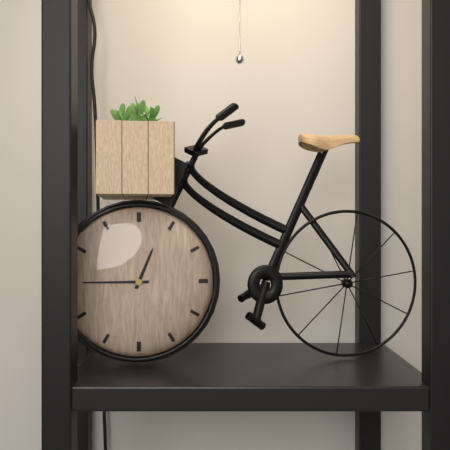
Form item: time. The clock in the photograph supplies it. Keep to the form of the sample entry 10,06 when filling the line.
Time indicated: 12,45
